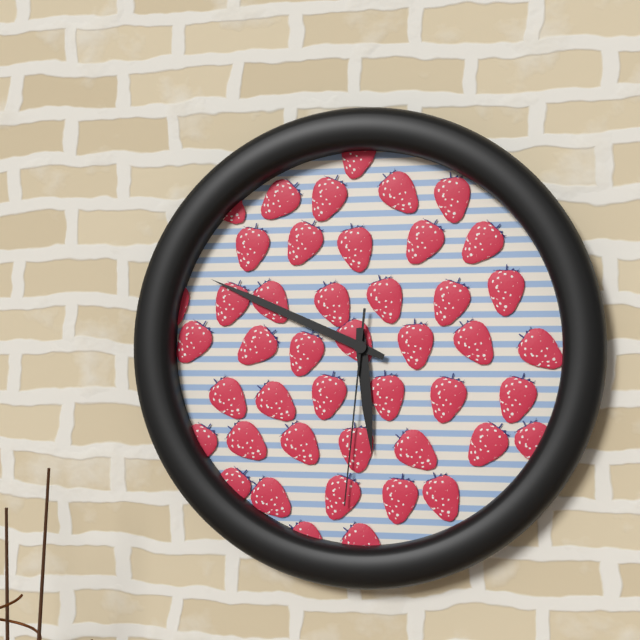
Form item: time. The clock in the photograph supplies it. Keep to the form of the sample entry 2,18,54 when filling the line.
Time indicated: 5,49,31
